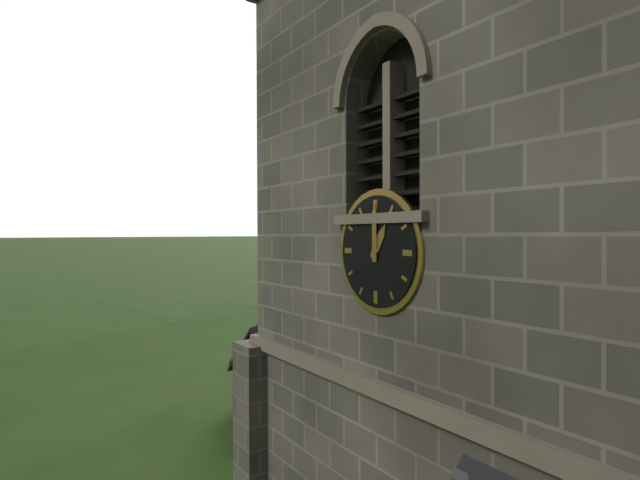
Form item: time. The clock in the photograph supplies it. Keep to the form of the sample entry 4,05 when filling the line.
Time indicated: 1,00
